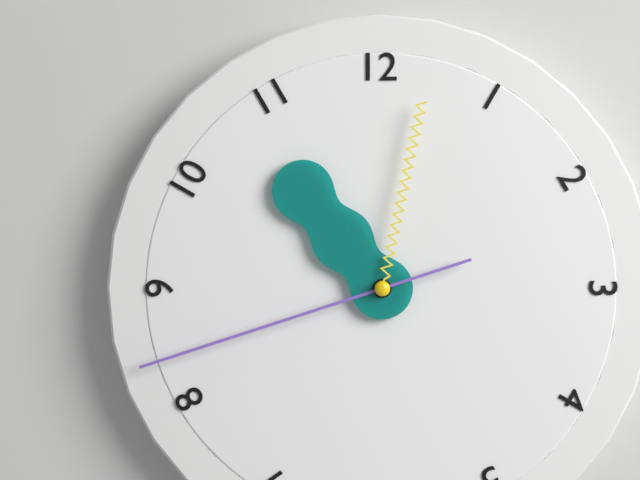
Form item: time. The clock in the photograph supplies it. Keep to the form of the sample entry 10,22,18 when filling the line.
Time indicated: 10,42,02
